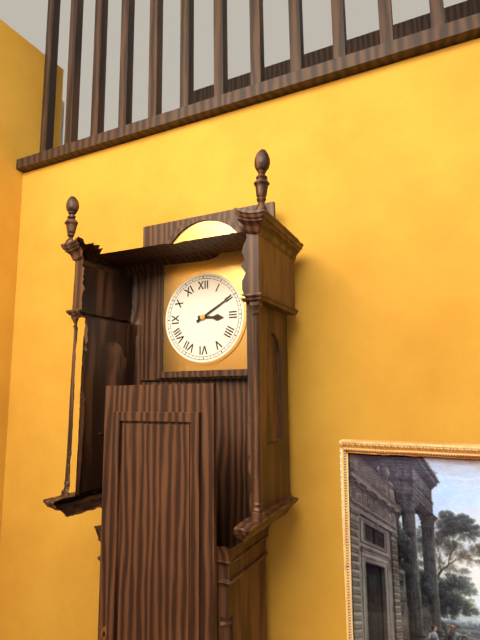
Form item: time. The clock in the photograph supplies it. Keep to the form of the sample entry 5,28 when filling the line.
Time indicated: 3,10
